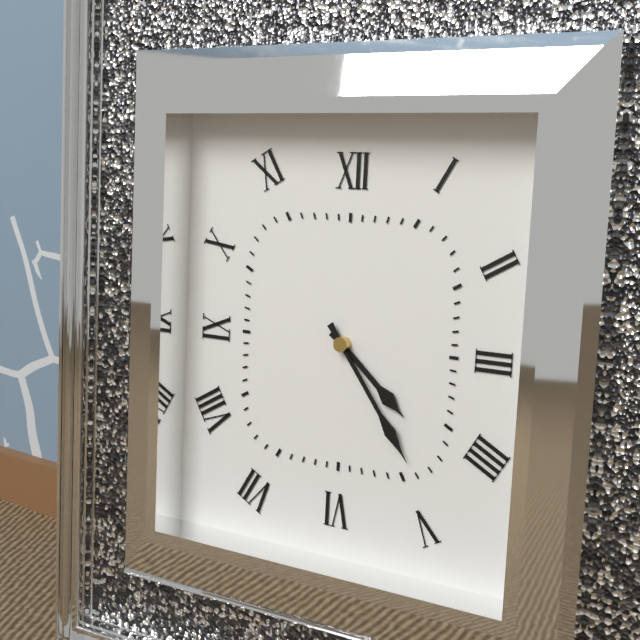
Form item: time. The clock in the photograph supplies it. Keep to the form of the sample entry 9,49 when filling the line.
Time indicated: 4,24
